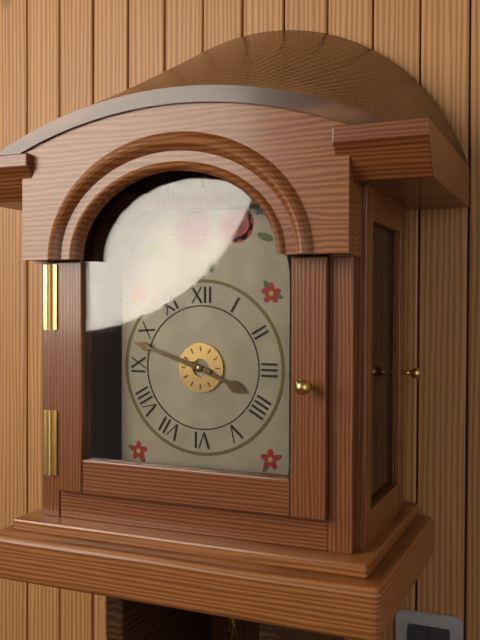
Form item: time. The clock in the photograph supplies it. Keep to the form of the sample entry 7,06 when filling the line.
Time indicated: 3,48
